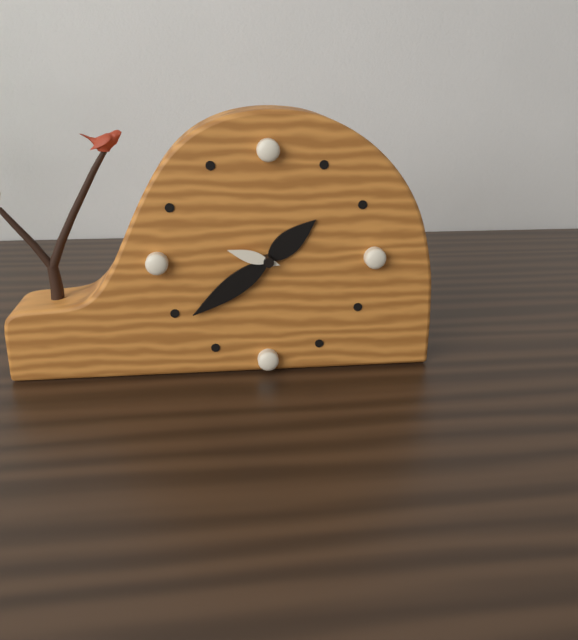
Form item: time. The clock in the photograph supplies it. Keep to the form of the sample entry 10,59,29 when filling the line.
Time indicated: 1,39,48
